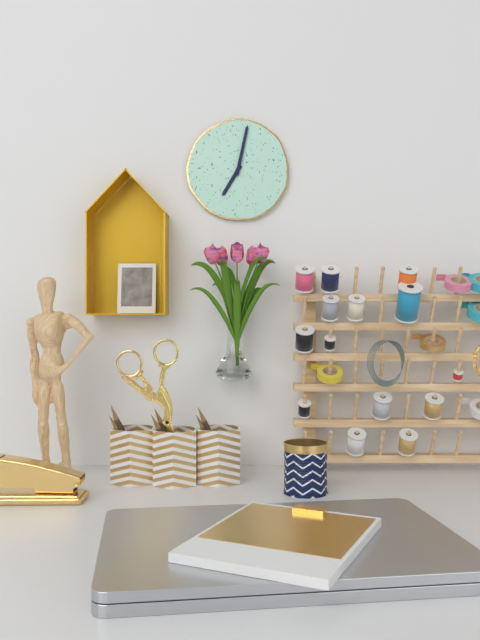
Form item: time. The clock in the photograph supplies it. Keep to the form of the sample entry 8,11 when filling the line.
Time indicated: 7,02
